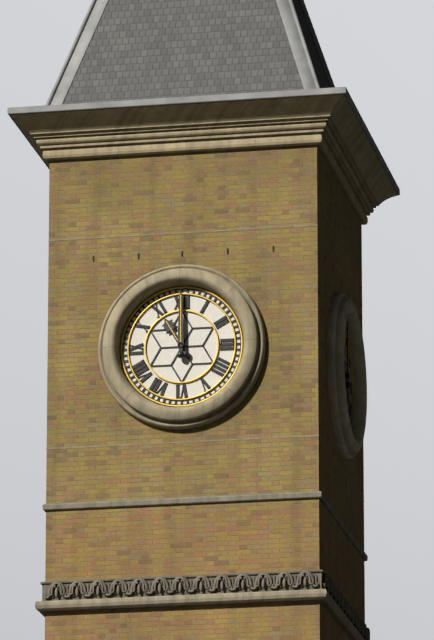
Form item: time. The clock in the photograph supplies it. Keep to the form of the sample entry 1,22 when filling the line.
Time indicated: 11,00
